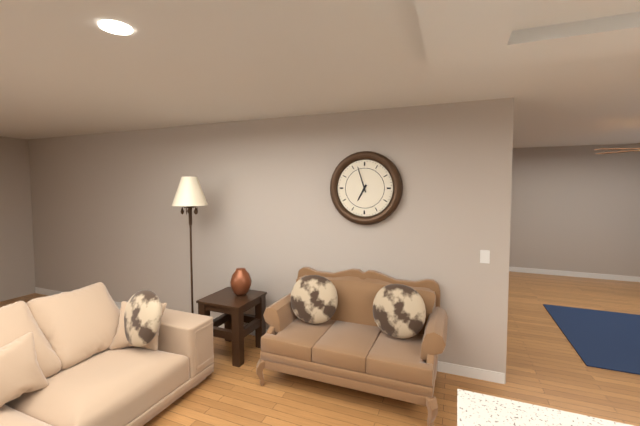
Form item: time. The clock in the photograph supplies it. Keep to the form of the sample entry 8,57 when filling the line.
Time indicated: 6,57
